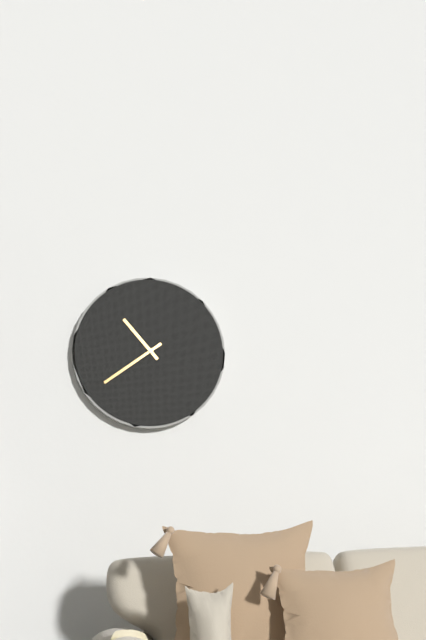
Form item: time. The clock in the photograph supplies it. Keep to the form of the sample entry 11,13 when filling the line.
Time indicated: 10,39
